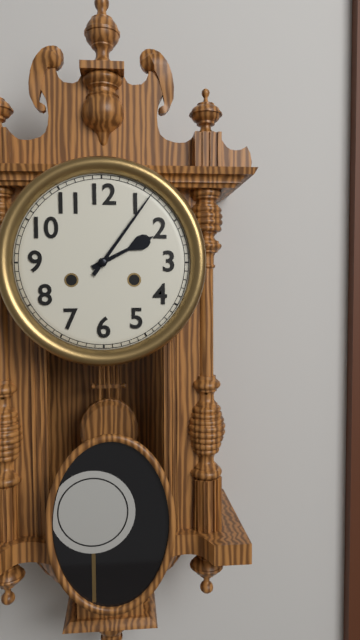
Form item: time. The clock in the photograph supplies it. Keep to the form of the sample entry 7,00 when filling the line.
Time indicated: 2,06
